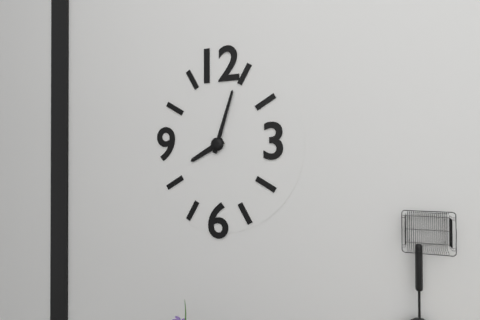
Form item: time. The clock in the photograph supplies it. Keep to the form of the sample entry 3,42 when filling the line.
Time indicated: 8,03
